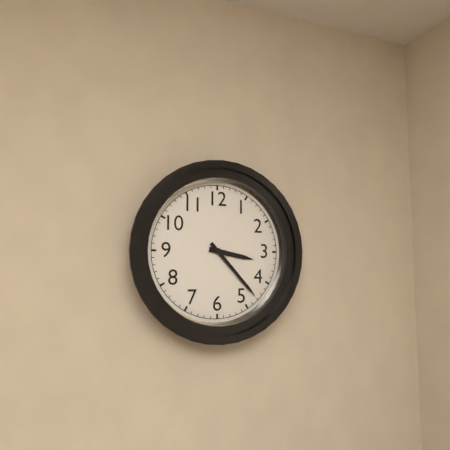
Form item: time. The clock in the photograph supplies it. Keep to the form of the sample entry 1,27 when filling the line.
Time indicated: 3,23
